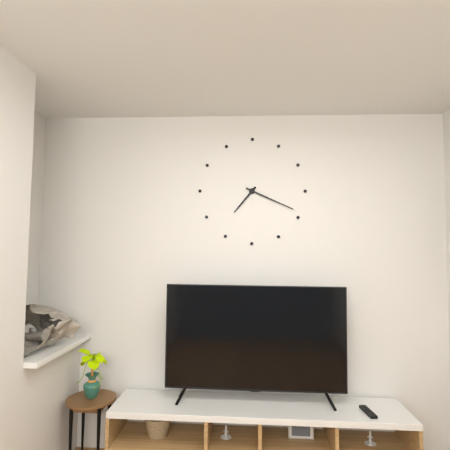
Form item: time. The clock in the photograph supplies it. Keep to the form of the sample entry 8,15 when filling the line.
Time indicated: 7,19
